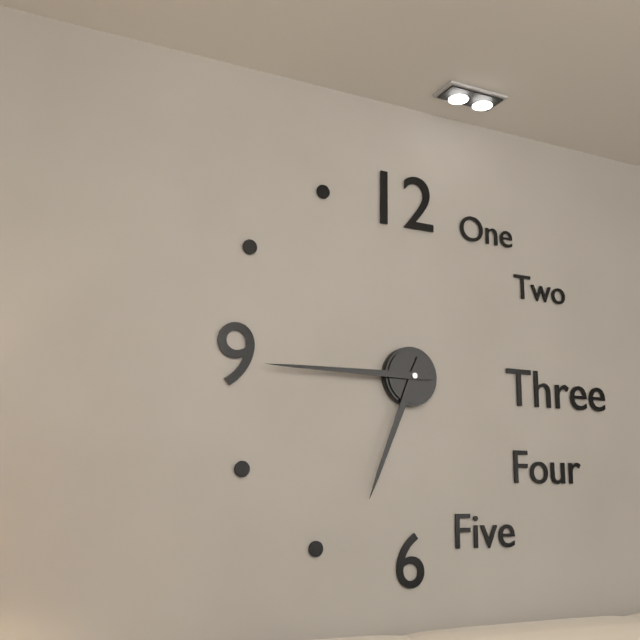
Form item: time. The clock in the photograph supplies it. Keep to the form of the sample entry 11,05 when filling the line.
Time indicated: 6,45
